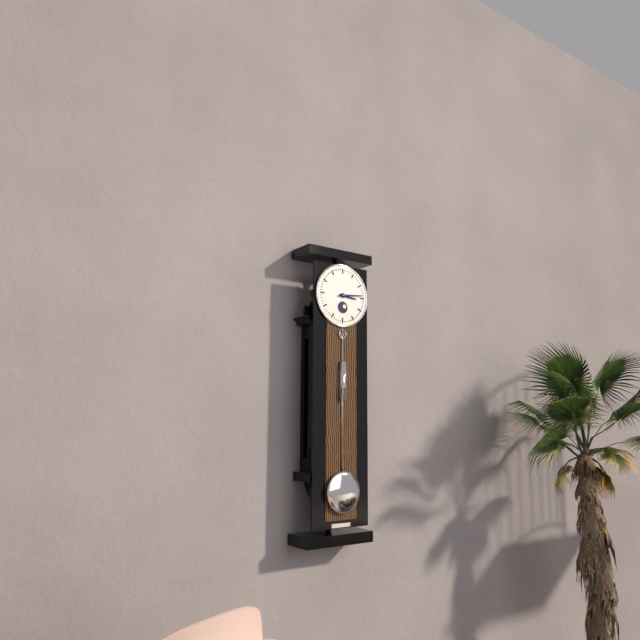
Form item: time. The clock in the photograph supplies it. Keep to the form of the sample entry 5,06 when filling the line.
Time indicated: 3,14
